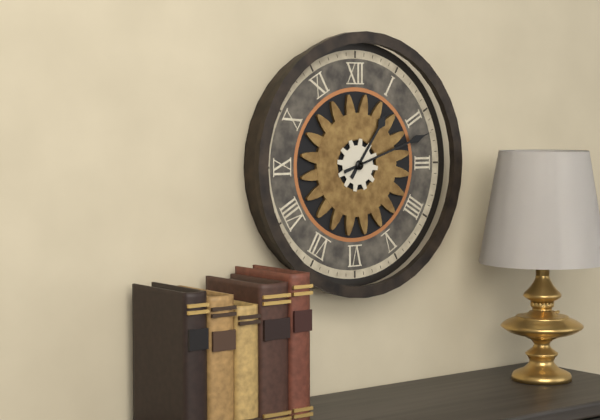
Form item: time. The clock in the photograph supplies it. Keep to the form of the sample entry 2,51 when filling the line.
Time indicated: 1,12
